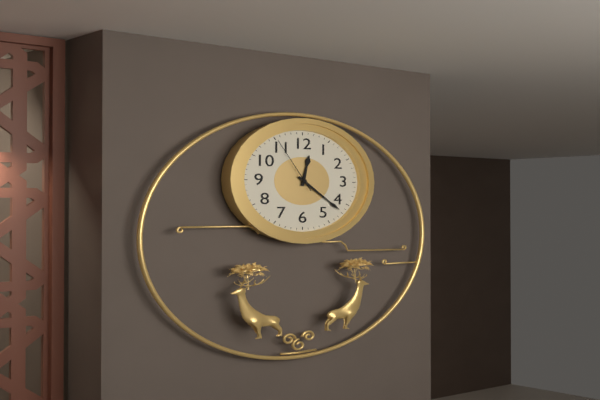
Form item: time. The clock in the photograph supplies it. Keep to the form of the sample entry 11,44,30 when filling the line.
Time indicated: 12,22,55
